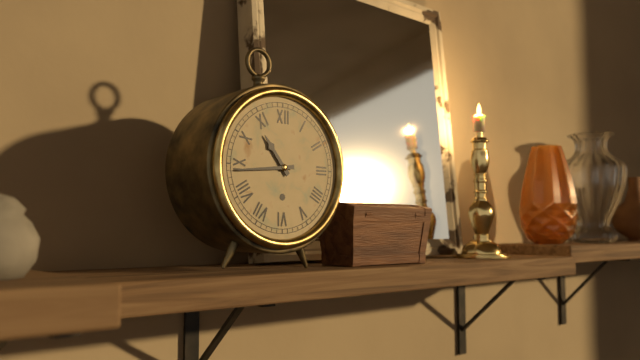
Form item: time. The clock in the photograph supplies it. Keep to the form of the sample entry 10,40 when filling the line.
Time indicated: 10,44
